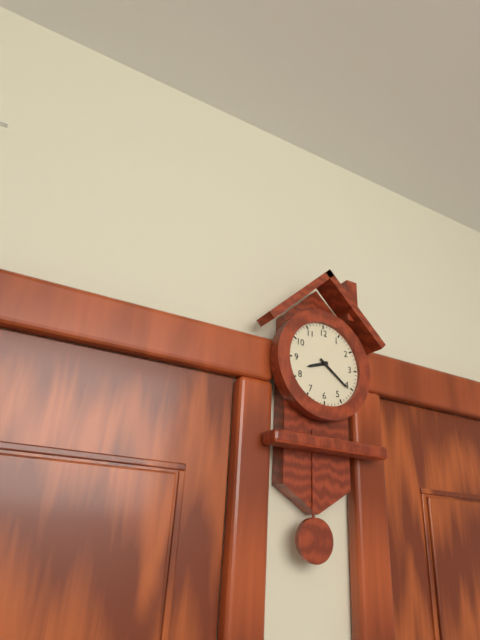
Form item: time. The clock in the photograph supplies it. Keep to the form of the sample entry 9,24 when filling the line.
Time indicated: 8,21
